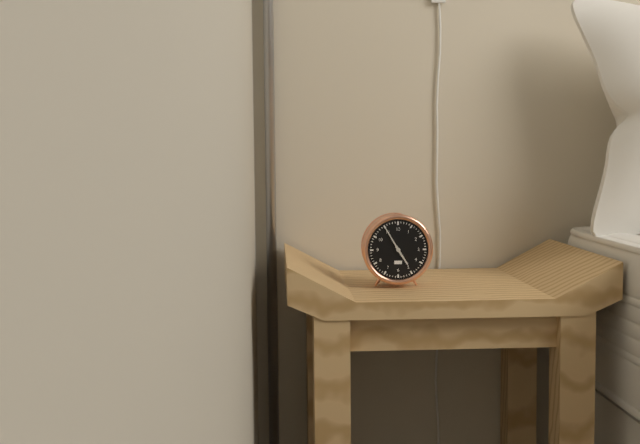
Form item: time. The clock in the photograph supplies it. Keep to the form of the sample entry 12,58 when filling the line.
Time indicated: 4,55
